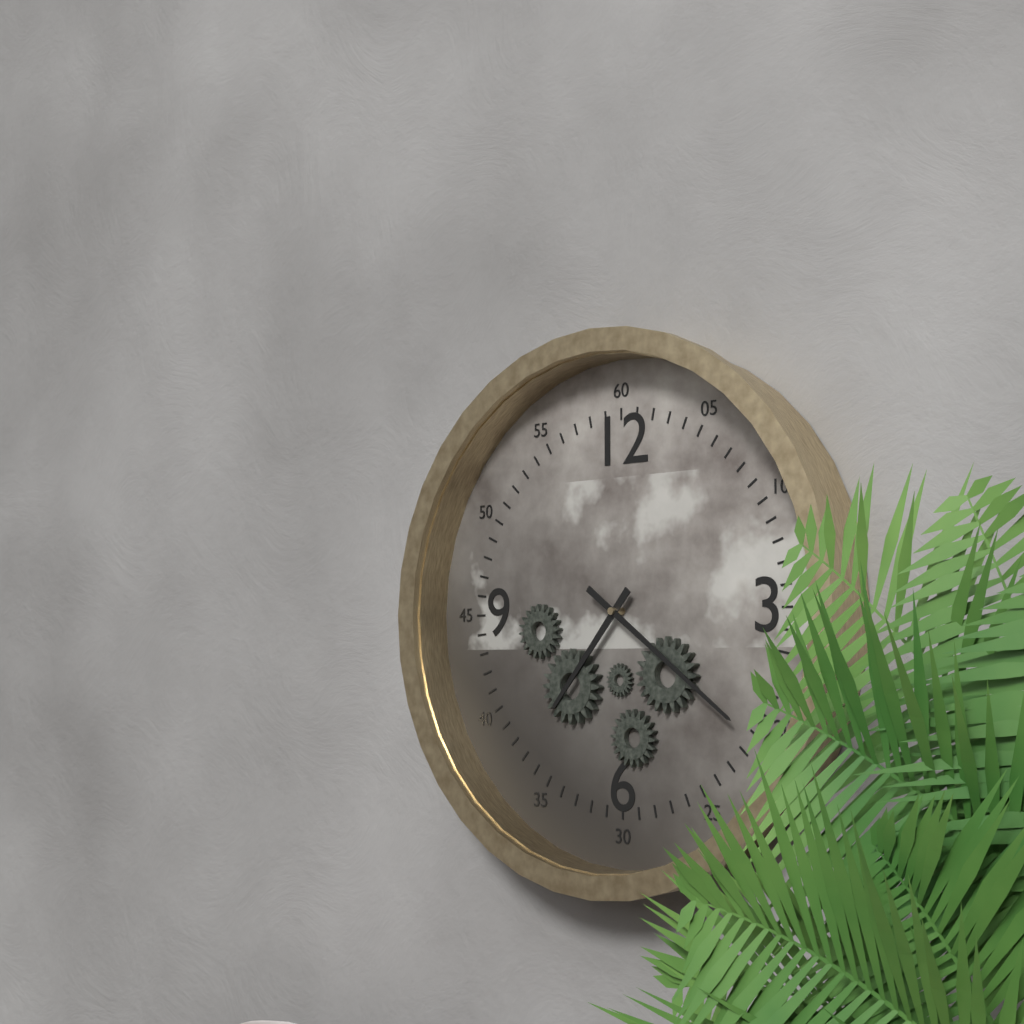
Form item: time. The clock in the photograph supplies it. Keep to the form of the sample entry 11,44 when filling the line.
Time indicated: 7,21
